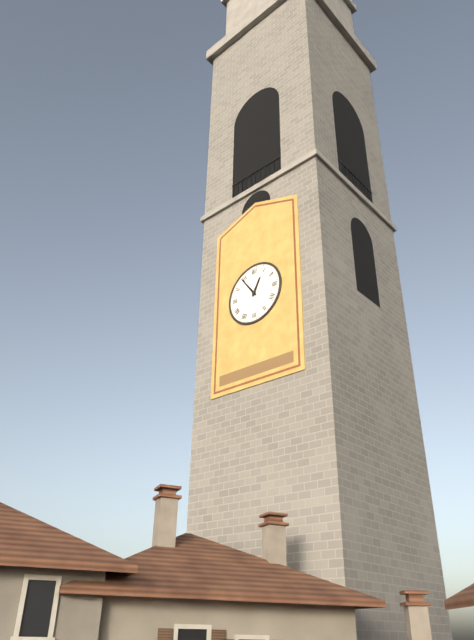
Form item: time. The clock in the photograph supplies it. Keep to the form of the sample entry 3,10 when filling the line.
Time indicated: 12,54
